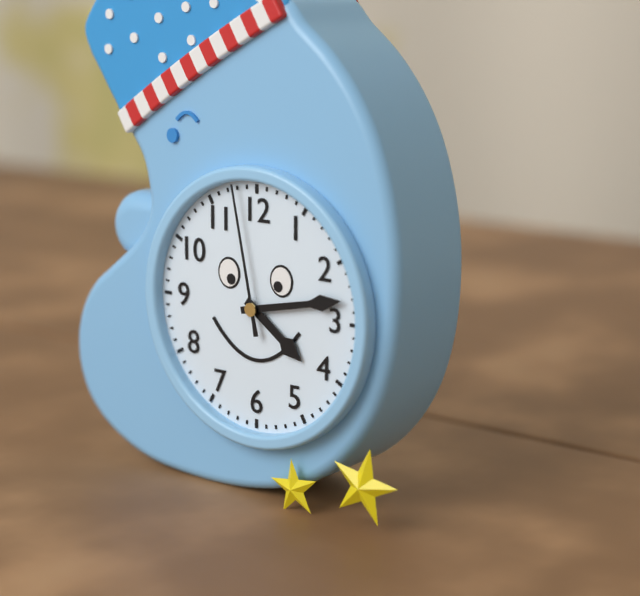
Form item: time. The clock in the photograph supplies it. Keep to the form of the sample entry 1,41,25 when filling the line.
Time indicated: 4,13,58
